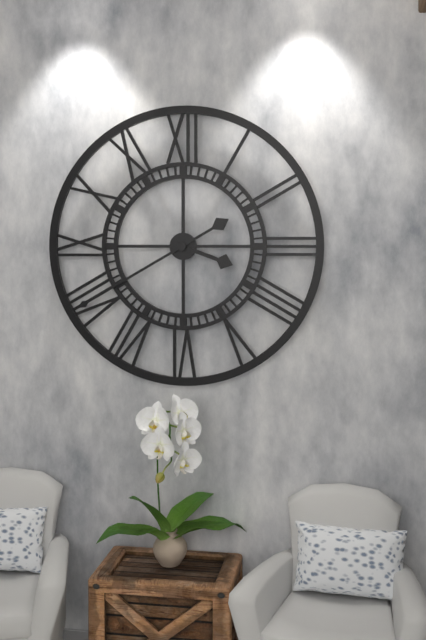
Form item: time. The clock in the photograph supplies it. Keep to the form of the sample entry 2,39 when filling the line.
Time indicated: 3,40
